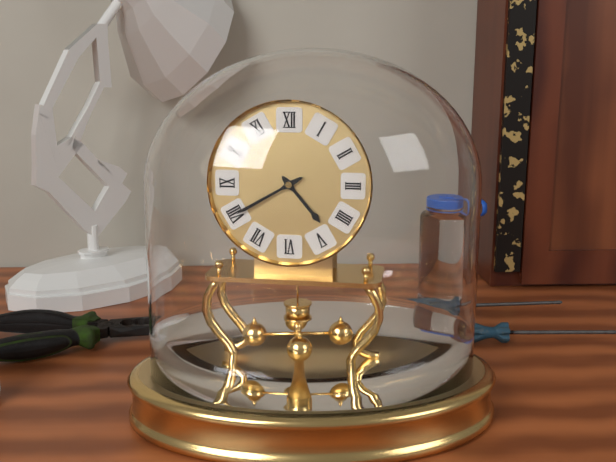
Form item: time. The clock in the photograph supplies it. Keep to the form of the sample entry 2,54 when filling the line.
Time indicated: 4,40
